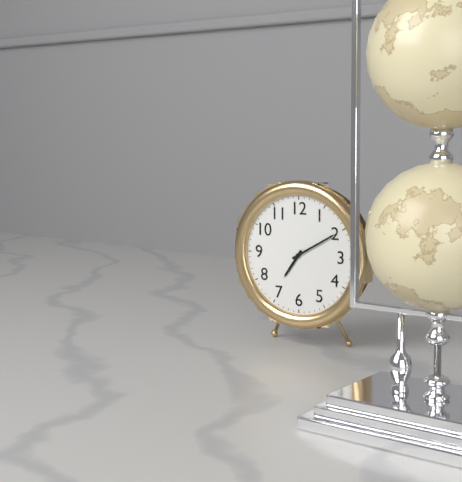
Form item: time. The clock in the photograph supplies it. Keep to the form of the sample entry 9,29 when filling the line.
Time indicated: 7,10
